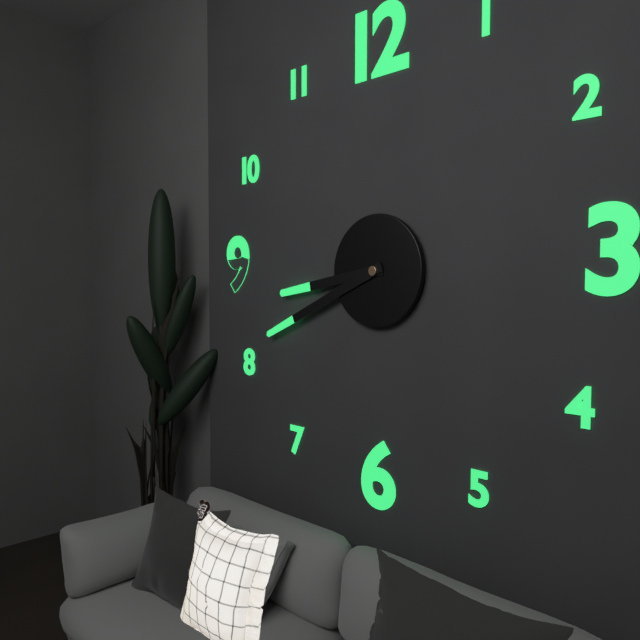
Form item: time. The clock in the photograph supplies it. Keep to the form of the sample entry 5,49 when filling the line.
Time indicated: 8,41
